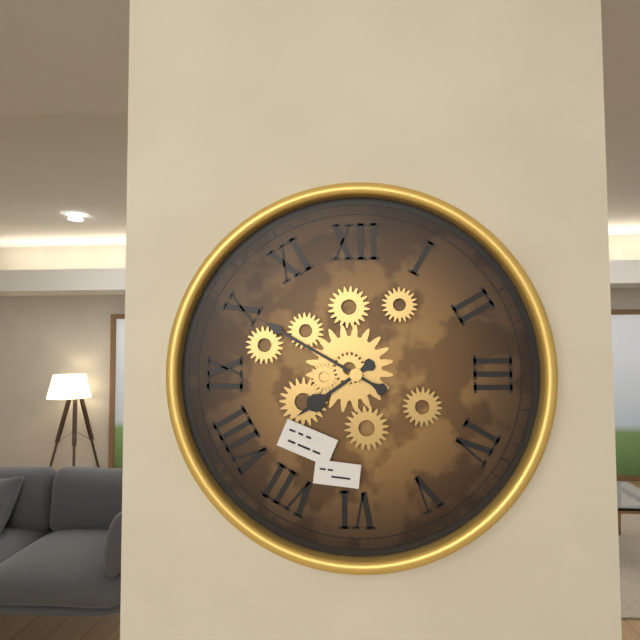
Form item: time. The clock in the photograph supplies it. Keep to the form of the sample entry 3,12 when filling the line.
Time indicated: 7,50
